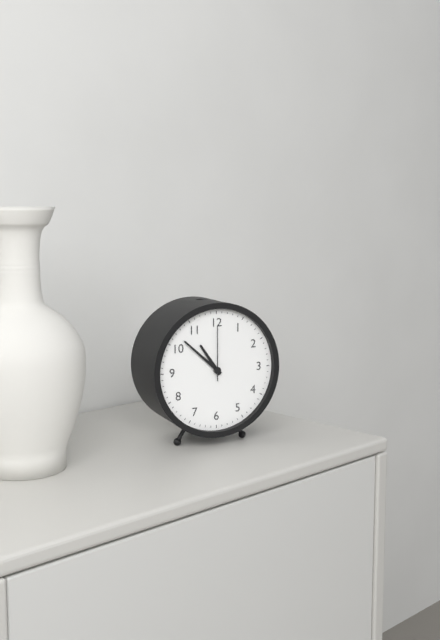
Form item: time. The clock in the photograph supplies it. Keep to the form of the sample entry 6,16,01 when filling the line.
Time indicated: 10,52,00
